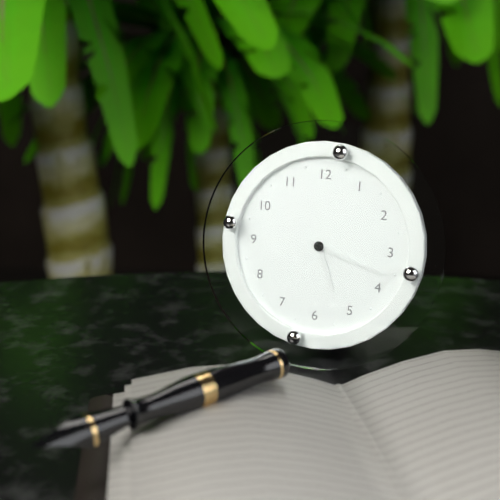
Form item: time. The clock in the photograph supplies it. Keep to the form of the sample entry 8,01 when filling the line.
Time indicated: 5,18
